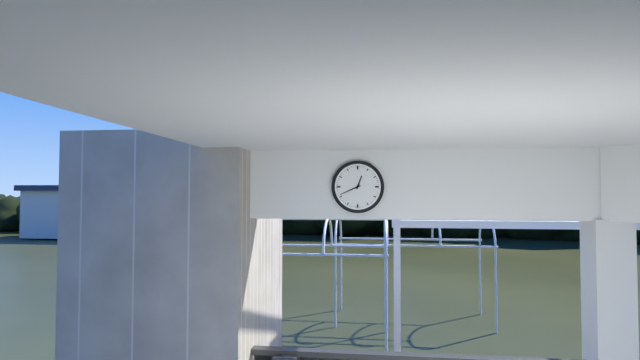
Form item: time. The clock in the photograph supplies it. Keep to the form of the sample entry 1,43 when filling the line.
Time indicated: 12,41
